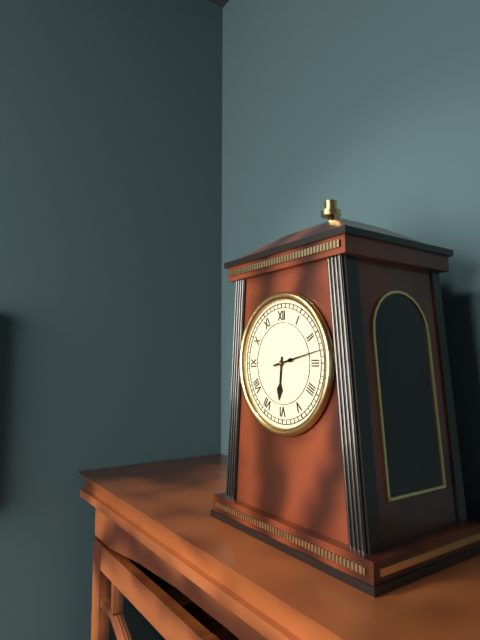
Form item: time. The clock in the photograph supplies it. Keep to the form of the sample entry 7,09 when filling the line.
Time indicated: 6,13
